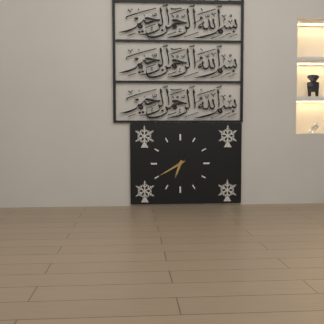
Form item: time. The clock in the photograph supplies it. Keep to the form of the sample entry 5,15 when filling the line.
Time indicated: 6,40
